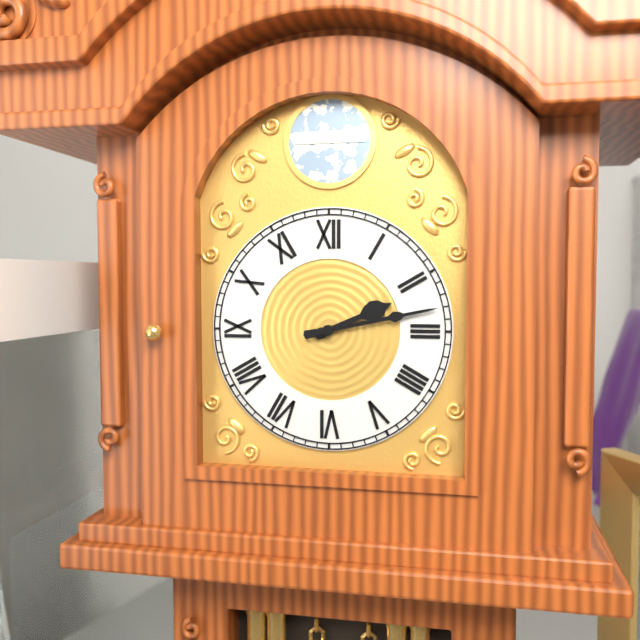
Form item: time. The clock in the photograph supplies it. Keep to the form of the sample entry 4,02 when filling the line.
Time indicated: 2,13
